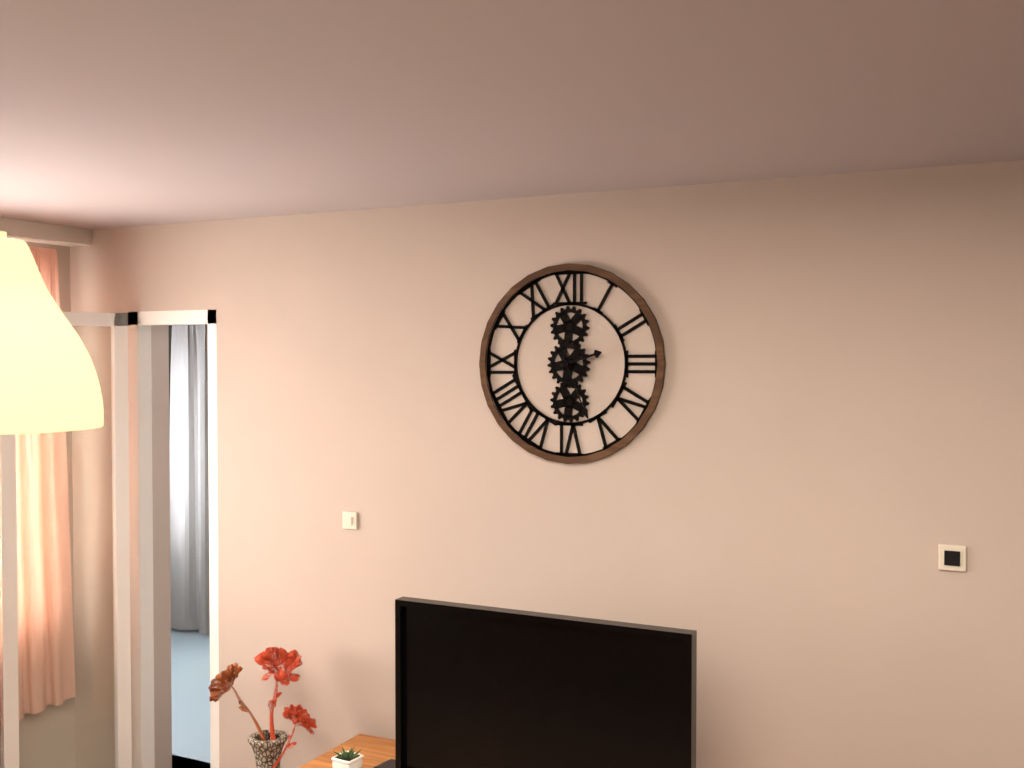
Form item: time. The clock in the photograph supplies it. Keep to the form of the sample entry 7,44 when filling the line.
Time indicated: 2,26
